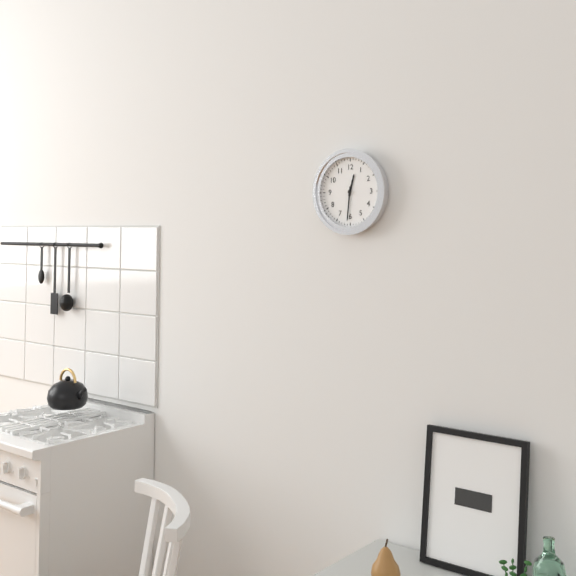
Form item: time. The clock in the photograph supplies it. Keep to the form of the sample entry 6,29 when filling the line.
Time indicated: 12,31
